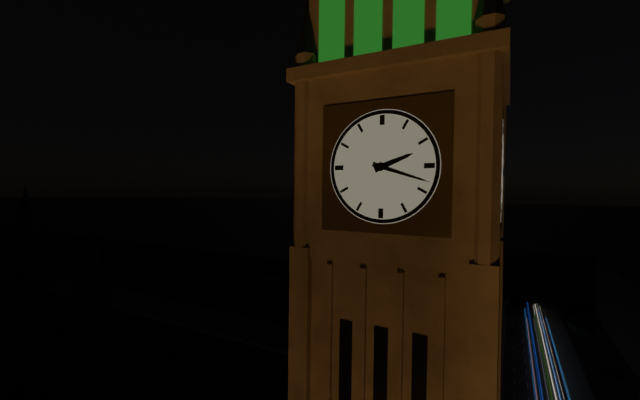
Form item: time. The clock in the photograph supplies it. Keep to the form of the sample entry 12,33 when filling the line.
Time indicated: 2,18
